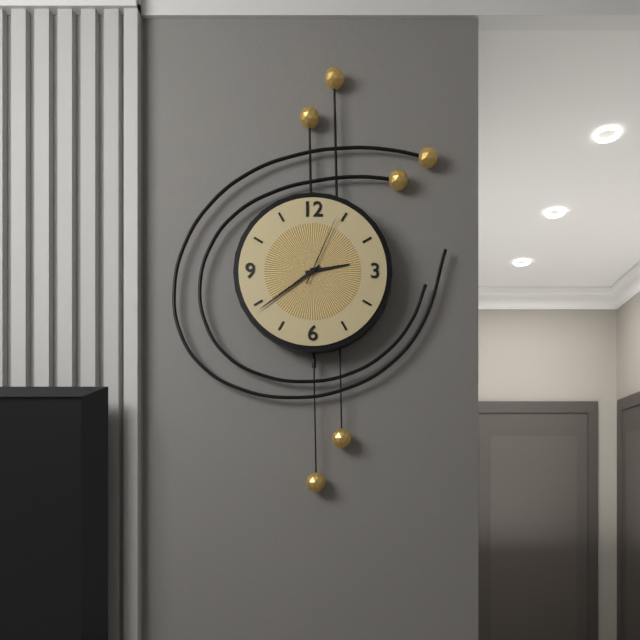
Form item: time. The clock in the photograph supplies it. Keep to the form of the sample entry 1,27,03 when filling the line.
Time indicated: 2,39,04
